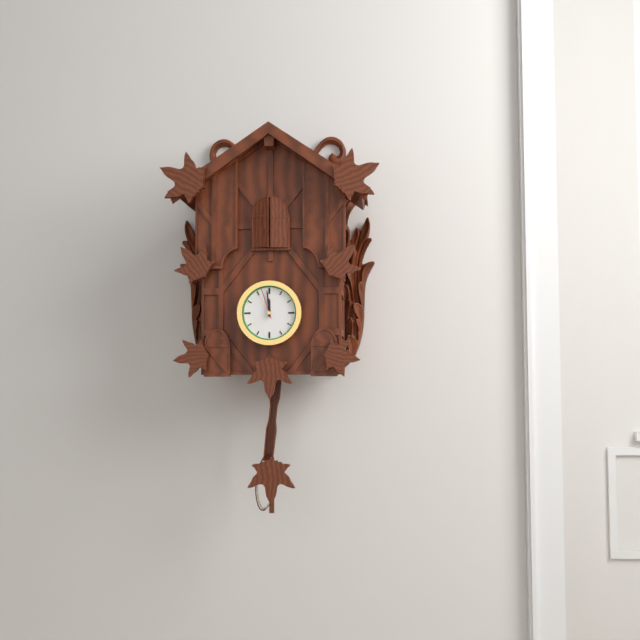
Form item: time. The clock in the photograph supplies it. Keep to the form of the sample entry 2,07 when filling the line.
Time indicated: 11,59
